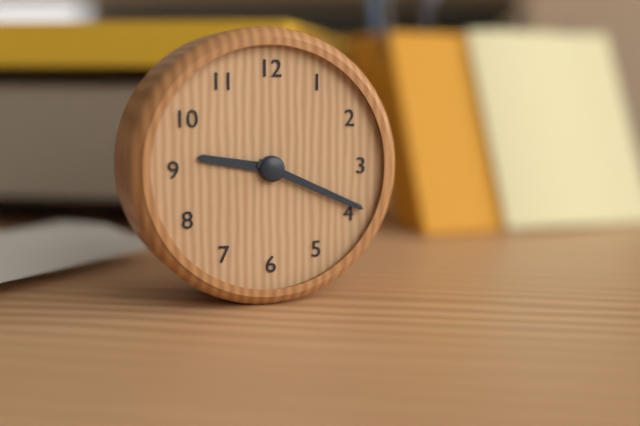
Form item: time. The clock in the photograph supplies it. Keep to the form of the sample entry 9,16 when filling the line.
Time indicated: 9,19
